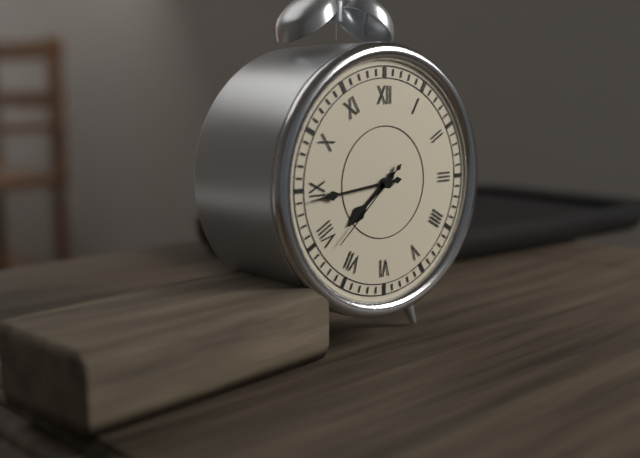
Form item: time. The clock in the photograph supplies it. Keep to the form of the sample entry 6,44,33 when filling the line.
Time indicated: 7,44,38
